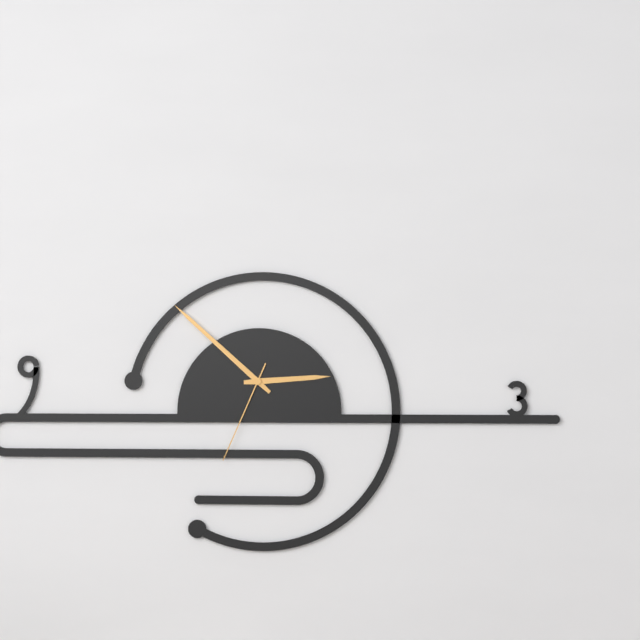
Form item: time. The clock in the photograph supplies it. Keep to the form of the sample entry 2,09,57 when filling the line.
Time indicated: 2,52,34
